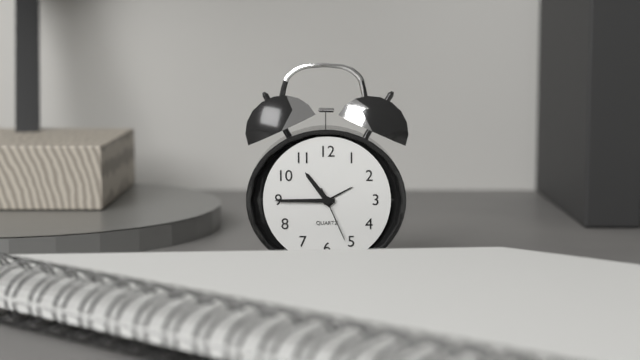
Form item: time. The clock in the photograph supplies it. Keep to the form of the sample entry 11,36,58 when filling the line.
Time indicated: 10,45,26
